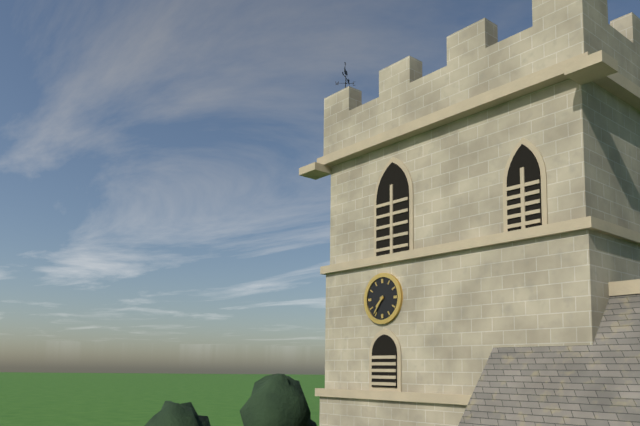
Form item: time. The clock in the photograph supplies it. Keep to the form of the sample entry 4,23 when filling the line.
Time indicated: 7,36
